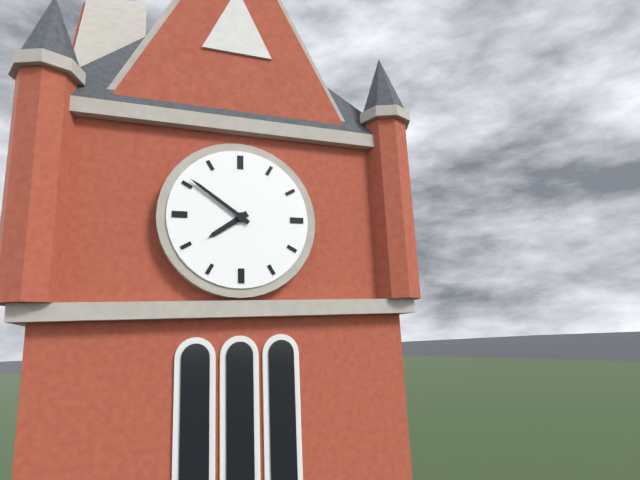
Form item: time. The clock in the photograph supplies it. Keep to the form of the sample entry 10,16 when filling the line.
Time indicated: 7,51
